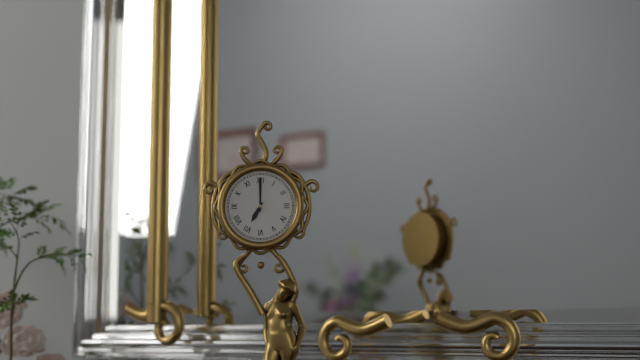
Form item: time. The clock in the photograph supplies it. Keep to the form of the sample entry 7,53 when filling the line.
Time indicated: 7,00
